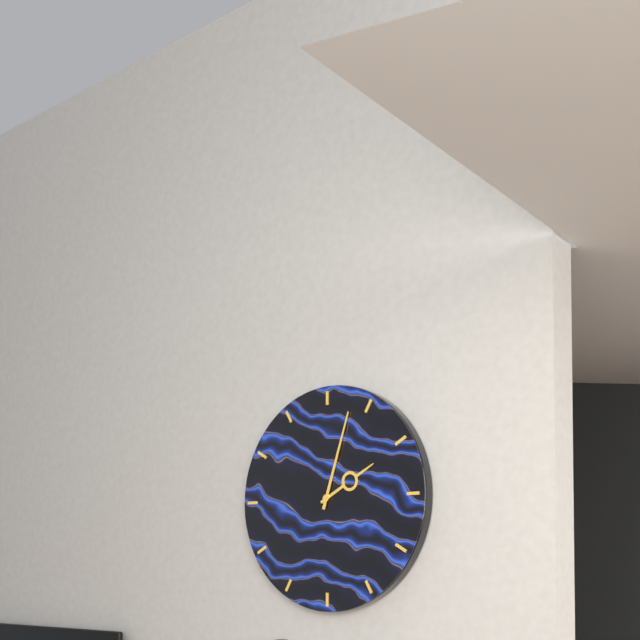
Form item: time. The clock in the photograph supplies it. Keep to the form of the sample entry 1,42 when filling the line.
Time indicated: 2,03
